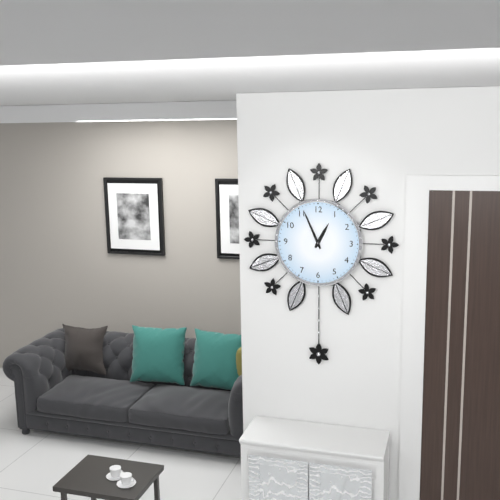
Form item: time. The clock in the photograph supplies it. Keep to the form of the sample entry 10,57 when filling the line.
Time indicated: 12,56
